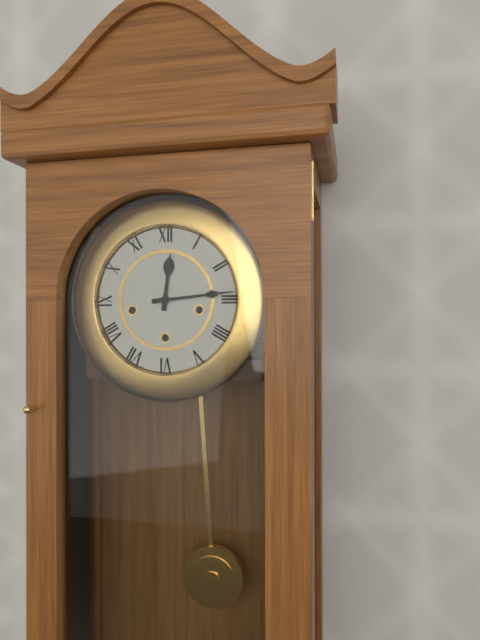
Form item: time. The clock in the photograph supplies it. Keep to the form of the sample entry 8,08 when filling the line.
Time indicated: 12,14
